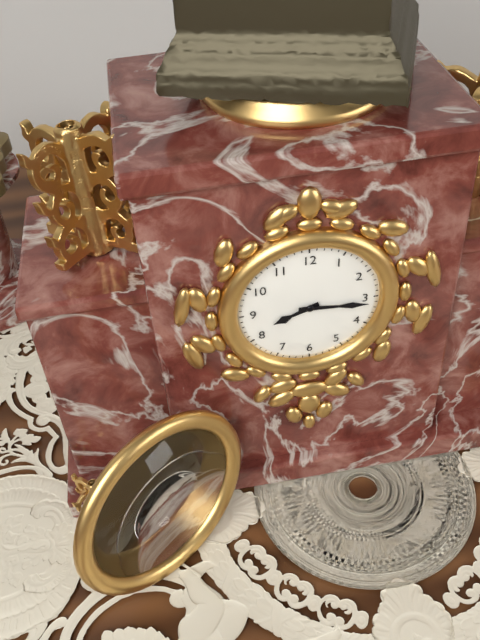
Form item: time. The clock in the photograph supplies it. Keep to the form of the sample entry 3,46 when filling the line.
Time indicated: 8,16
